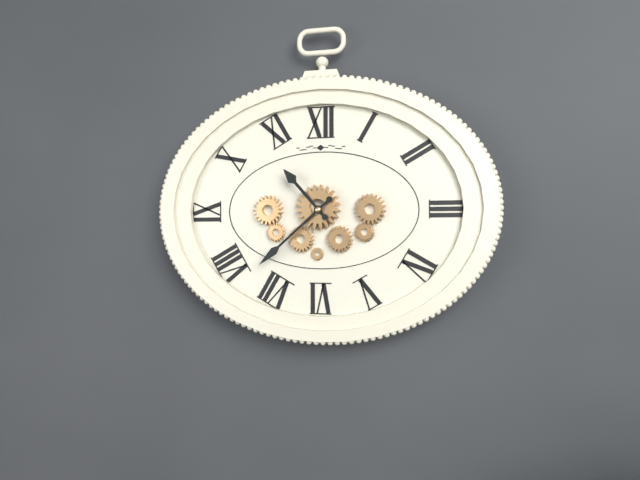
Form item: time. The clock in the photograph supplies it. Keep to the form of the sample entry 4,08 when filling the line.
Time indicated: 10,38
